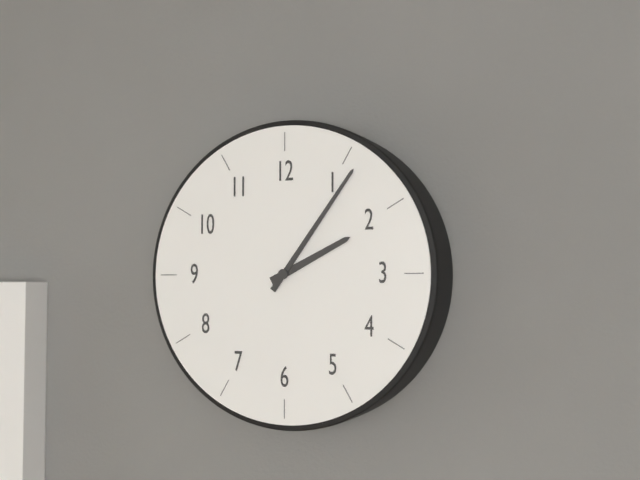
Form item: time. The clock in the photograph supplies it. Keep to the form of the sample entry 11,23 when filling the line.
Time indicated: 2,06
